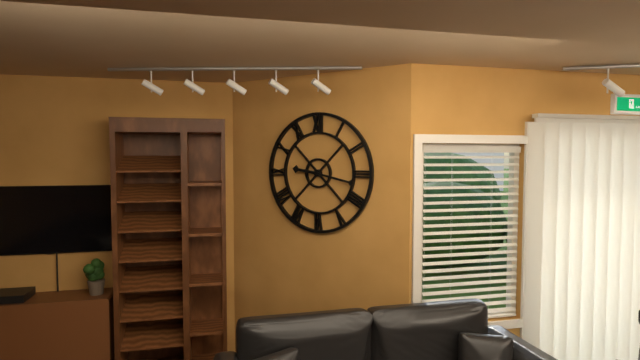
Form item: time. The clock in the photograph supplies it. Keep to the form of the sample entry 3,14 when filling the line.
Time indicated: 9,17
